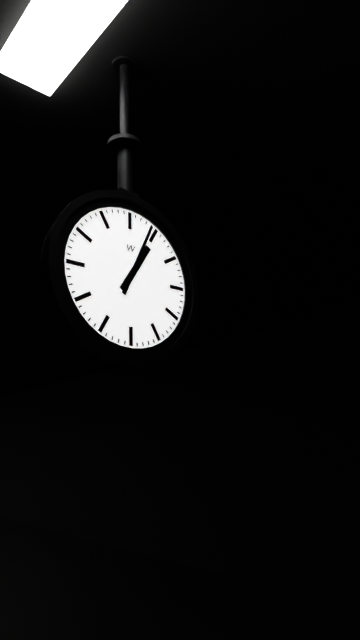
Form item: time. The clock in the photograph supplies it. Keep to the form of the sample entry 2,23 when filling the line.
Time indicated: 1,04
